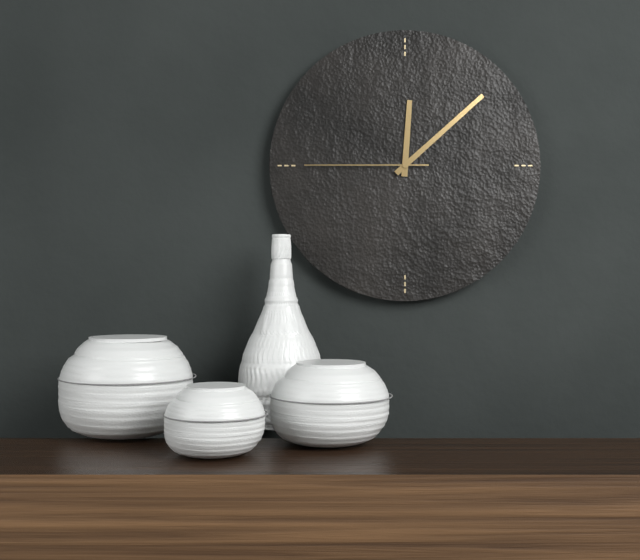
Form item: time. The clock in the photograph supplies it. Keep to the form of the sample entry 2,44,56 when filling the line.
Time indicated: 12,08,45
